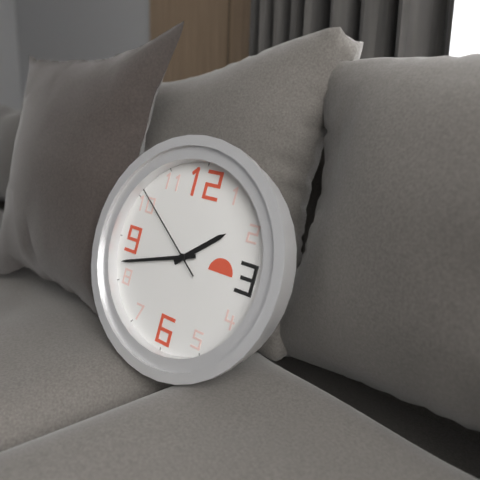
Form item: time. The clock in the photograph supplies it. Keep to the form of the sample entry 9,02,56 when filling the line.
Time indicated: 1,42,51
